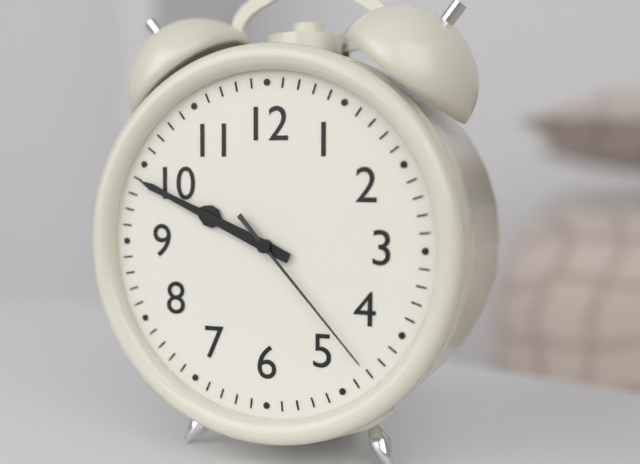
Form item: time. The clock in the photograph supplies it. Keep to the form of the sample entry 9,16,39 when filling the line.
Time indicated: 9,49,23
